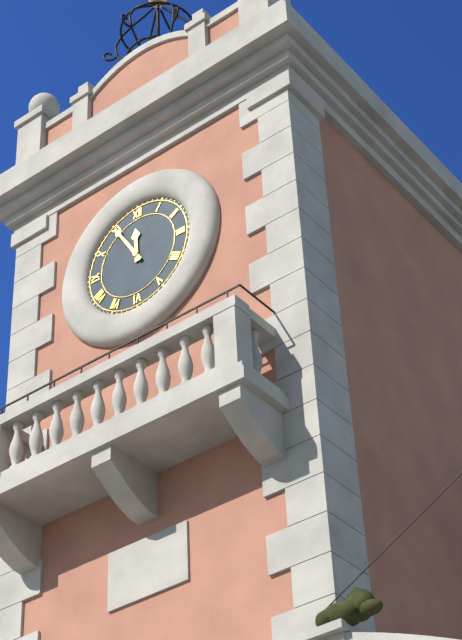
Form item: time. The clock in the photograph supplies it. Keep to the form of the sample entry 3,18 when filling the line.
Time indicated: 11,55
